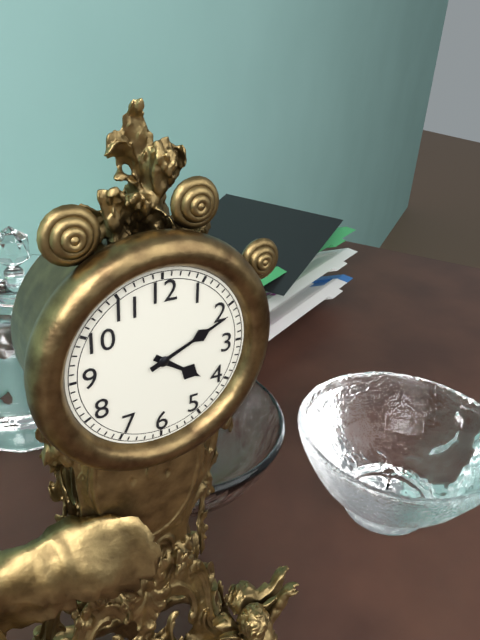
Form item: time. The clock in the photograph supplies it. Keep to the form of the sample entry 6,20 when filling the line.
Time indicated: 4,11
